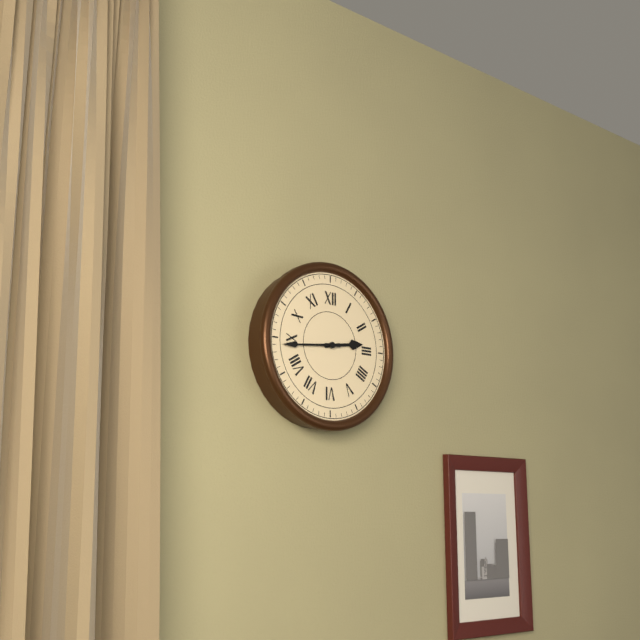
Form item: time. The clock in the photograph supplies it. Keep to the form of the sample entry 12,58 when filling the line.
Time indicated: 2,44
